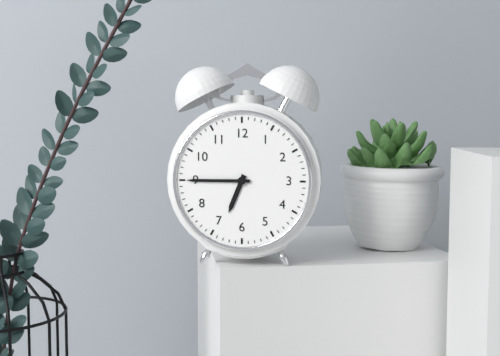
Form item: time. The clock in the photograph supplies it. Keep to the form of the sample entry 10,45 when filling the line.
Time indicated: 6,45
